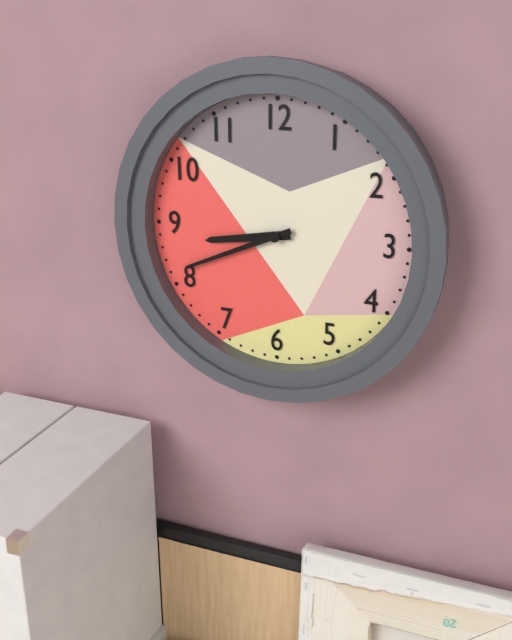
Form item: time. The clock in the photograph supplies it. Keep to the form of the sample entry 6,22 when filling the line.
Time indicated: 8,41
